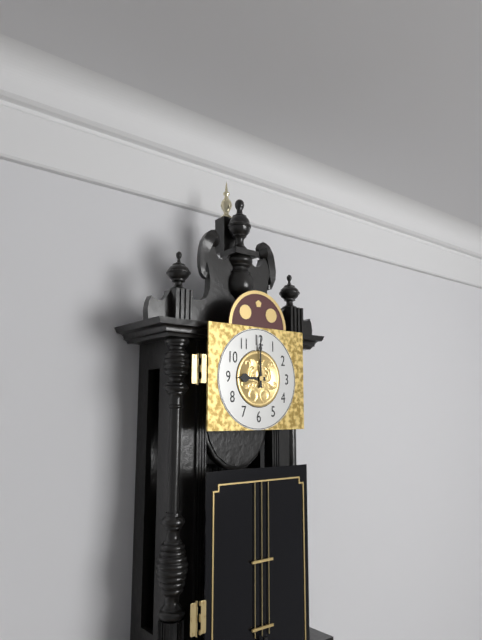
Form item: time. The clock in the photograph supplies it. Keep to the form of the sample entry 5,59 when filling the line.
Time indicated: 9,00
